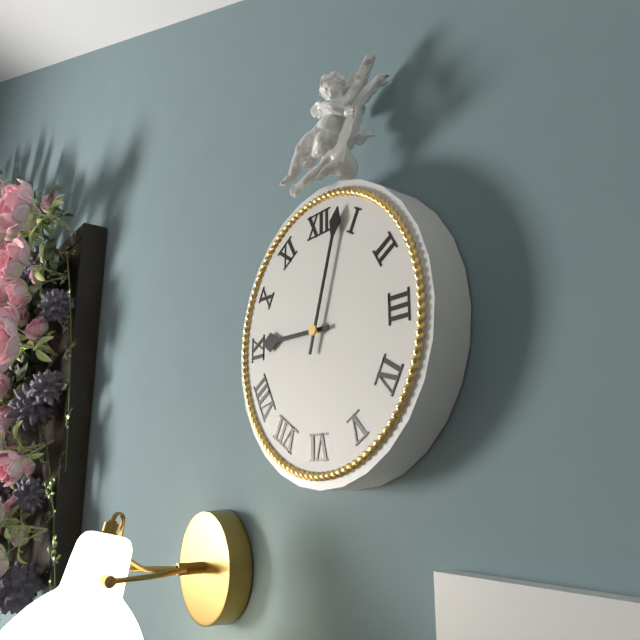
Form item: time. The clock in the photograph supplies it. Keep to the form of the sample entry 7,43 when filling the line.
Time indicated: 9,03
